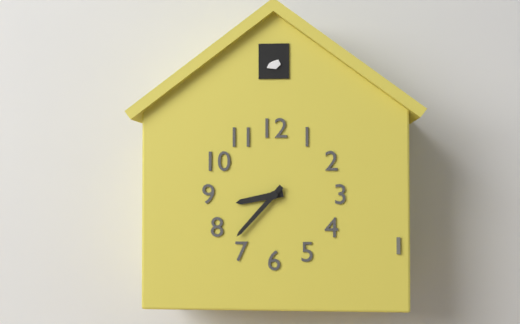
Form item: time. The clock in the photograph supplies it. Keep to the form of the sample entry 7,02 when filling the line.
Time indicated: 8,37
